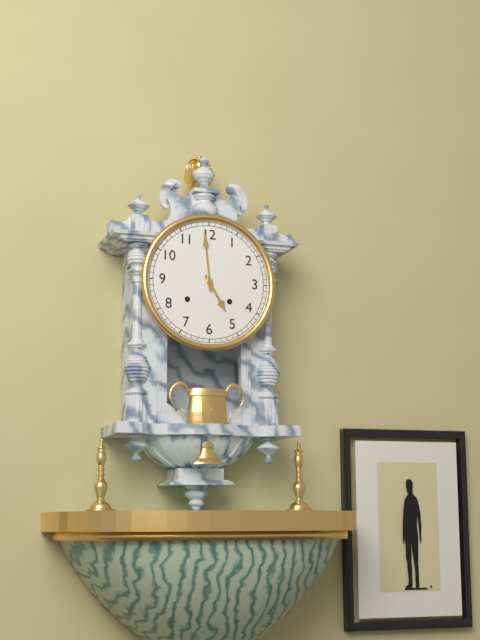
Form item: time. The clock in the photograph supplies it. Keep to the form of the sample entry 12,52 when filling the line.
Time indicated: 4,59
